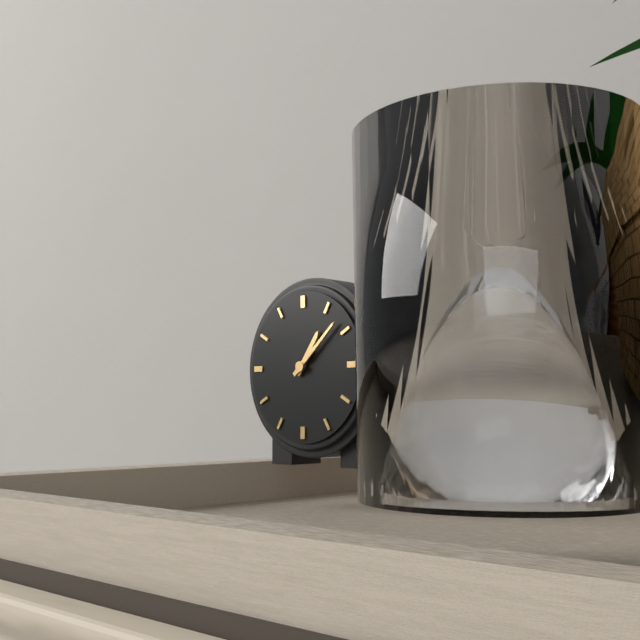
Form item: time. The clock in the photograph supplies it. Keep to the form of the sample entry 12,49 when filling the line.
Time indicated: 1,08
